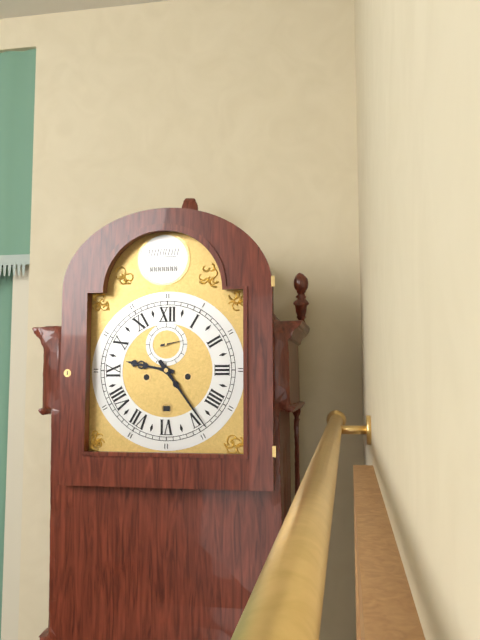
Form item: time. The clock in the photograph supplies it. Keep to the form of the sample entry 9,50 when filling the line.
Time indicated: 9,24
